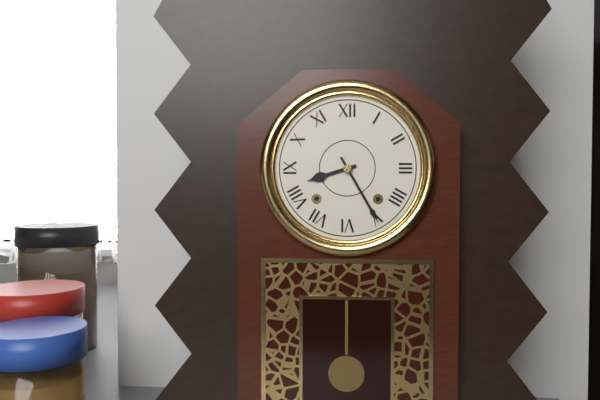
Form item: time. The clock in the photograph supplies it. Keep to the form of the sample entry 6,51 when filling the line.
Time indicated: 8,25
